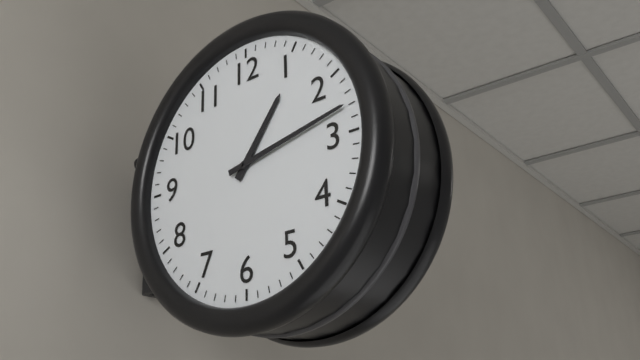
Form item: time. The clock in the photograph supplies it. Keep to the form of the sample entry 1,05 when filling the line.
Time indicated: 1,13
